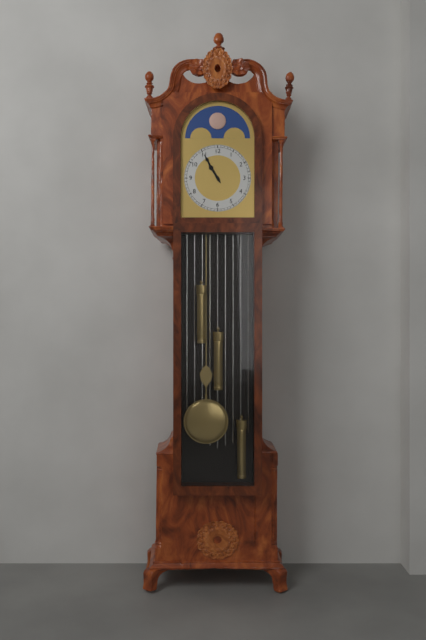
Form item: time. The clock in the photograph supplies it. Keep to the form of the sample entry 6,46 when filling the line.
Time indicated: 10,55
